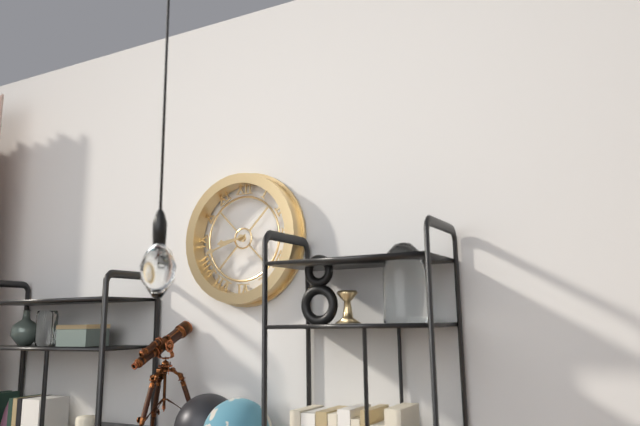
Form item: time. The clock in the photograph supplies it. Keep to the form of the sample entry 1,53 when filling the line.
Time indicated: 8,42
